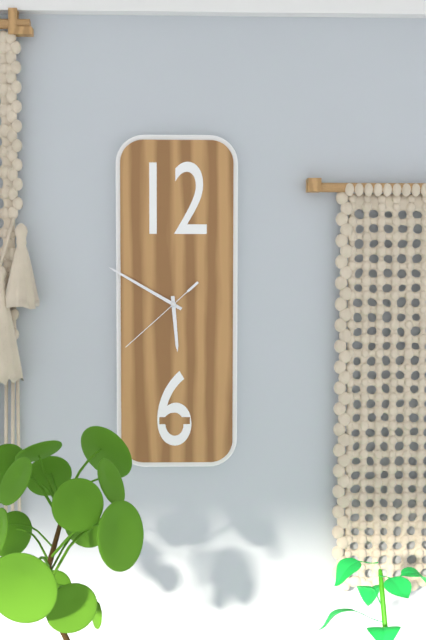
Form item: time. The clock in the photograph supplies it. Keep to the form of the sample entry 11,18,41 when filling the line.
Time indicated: 5,50,38
